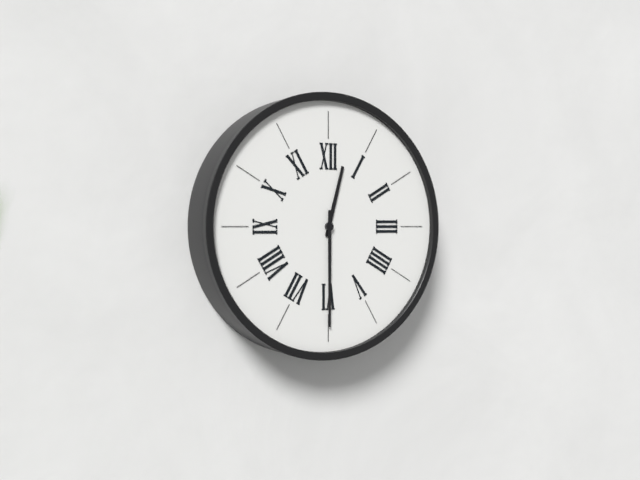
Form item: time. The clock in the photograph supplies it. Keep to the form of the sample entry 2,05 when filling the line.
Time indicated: 12,30
